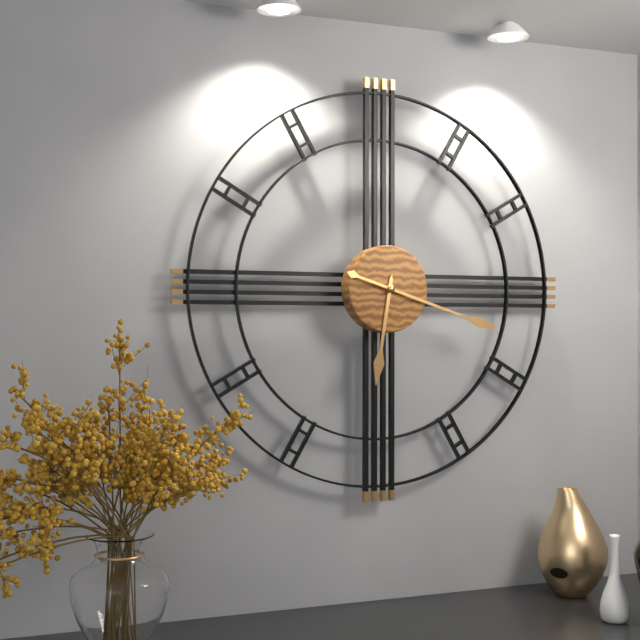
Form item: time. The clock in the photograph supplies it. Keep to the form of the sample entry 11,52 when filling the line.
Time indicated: 6,18
